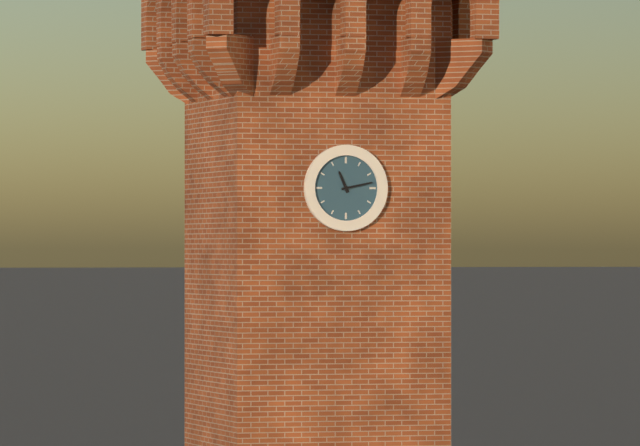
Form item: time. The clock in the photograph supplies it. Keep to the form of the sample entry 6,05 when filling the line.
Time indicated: 11,13
